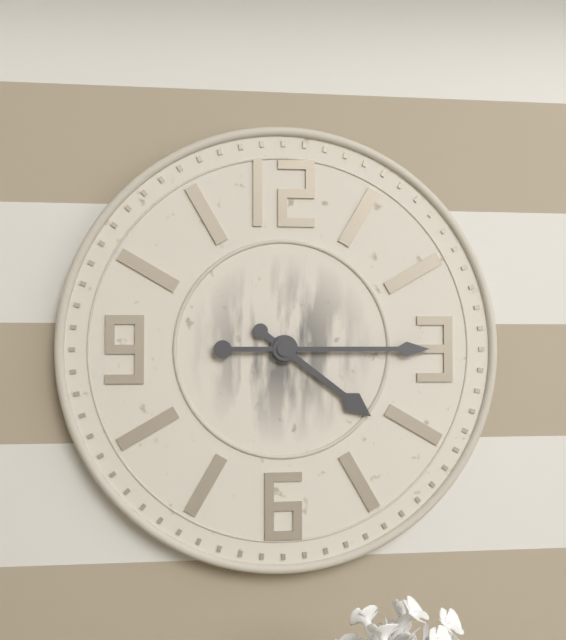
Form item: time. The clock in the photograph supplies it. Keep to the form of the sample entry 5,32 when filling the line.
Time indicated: 4,15
